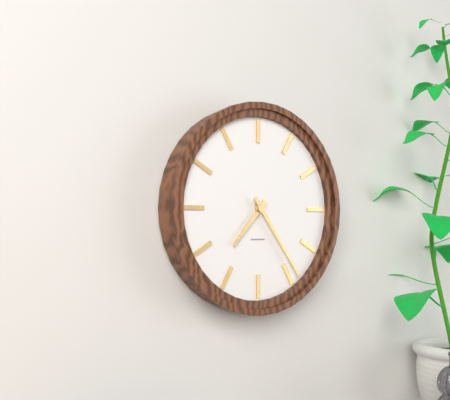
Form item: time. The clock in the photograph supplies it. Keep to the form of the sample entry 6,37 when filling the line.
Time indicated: 7,24
